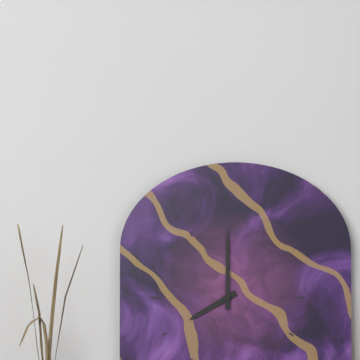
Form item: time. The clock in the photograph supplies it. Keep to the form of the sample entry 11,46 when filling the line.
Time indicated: 8,00
